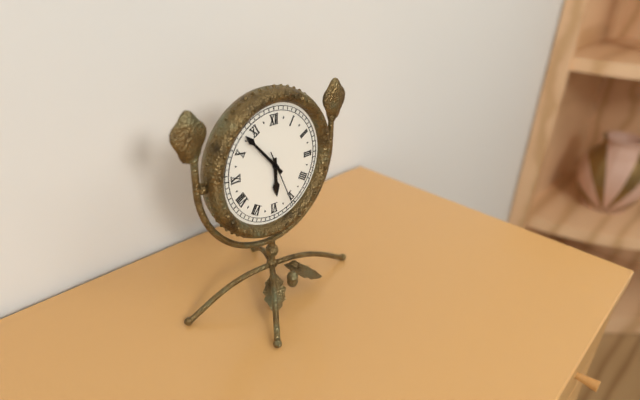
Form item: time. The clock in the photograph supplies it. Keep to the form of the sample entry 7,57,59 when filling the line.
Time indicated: 5,53,26
